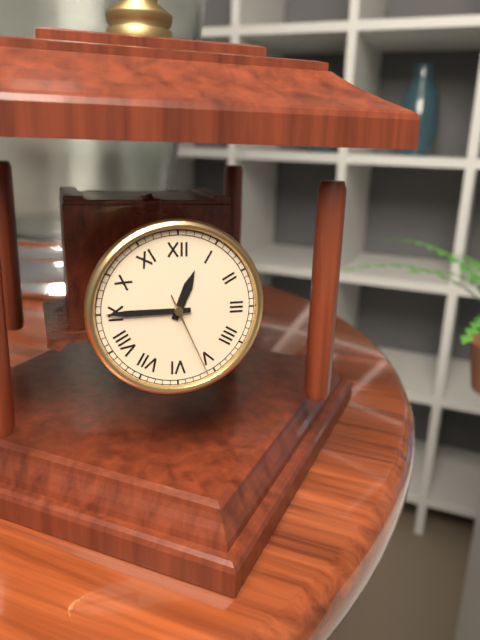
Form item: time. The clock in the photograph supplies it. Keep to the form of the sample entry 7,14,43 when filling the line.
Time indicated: 12,45,26
